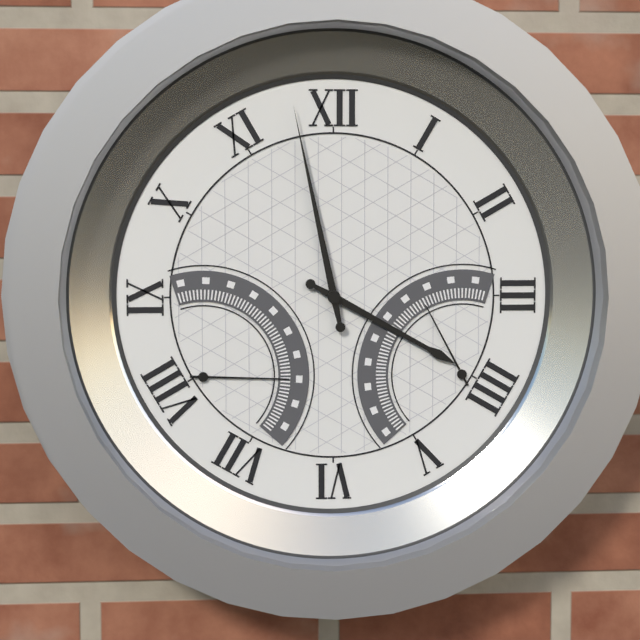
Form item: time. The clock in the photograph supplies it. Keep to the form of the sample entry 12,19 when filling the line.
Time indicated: 3,58
